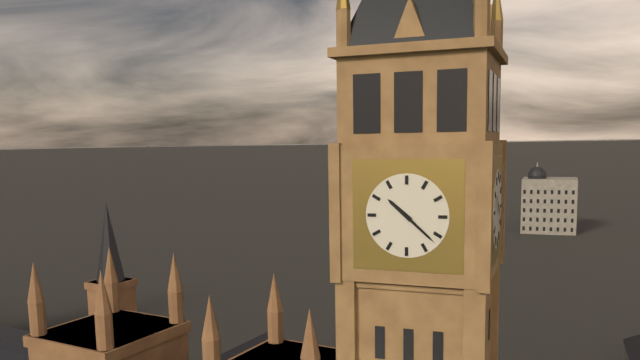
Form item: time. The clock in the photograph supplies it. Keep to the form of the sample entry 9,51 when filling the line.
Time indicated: 10,22
